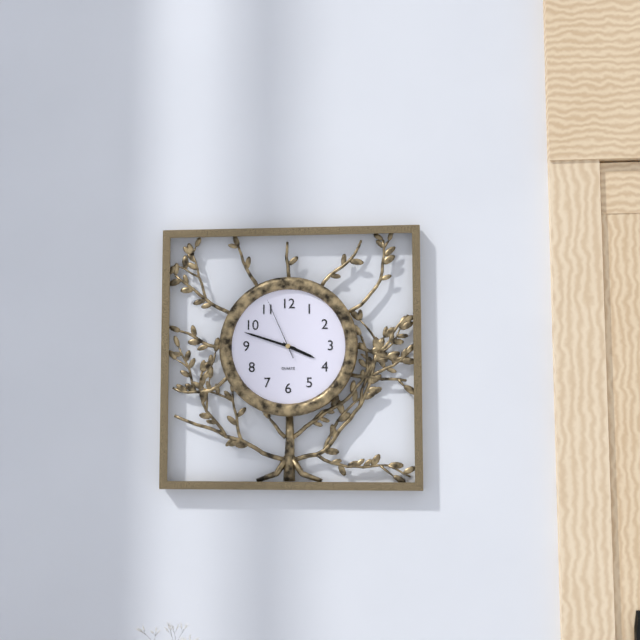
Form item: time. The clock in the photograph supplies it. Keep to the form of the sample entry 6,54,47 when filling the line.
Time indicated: 3,48,56
